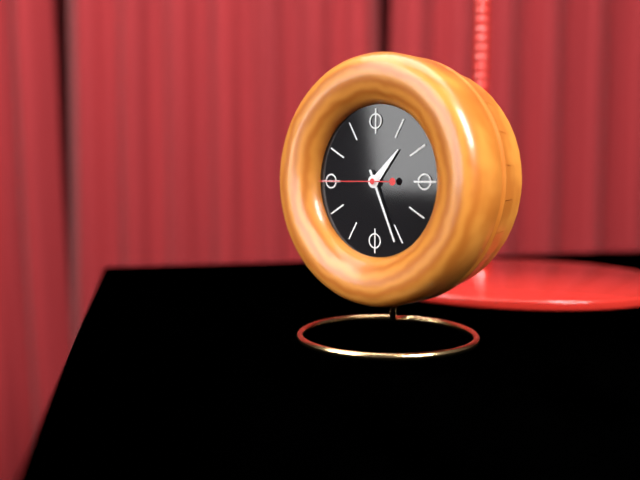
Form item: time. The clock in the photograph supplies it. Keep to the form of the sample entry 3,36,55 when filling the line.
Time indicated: 1,26,45
